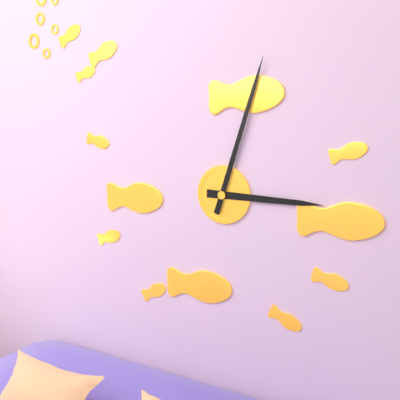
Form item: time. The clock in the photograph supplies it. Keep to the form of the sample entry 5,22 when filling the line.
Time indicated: 3,03
